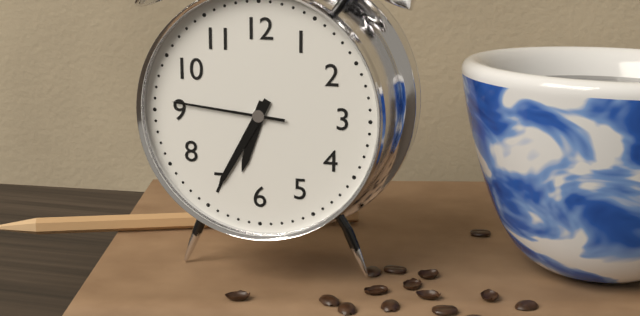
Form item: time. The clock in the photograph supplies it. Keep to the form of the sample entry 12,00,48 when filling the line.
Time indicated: 6,35,46
